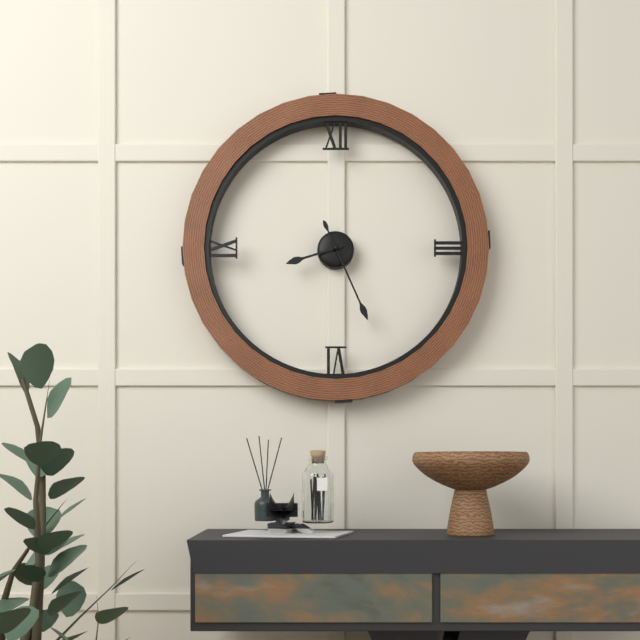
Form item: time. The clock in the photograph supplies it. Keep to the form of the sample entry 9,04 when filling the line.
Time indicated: 8,26
